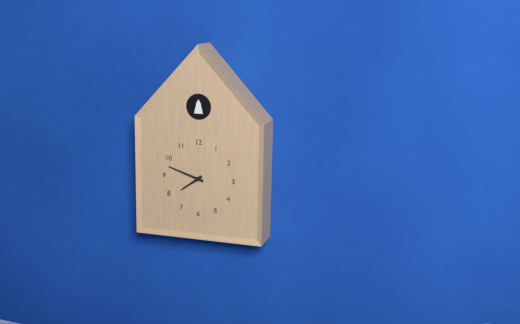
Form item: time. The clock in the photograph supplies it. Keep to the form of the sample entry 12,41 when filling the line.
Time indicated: 7,48
